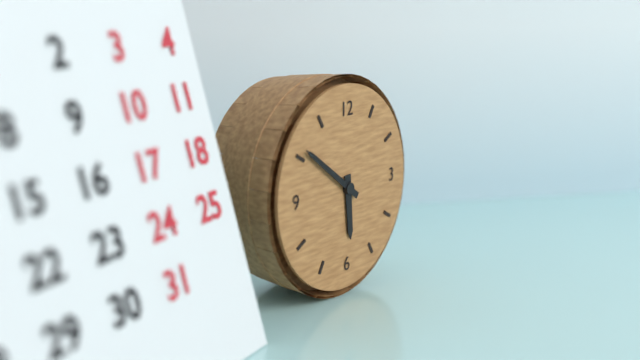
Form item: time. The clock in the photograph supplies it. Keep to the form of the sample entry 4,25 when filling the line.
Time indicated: 5,51
